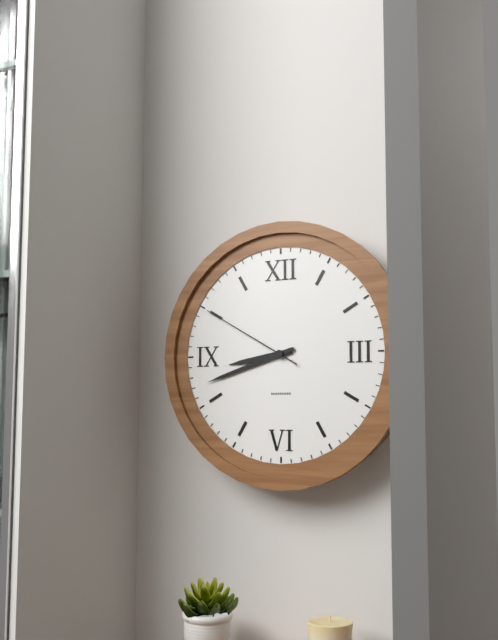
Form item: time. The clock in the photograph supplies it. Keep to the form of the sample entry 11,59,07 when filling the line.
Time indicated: 8,42,50
